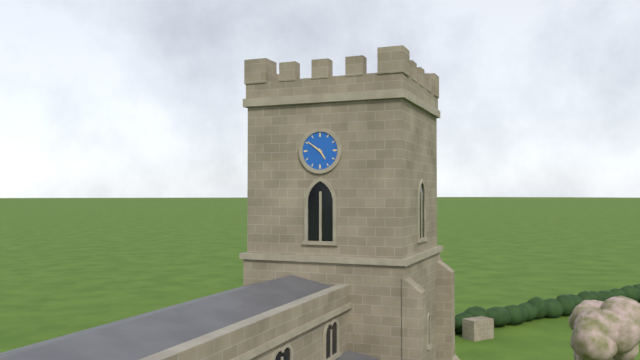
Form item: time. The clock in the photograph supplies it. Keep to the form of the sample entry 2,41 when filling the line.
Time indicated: 4,51
